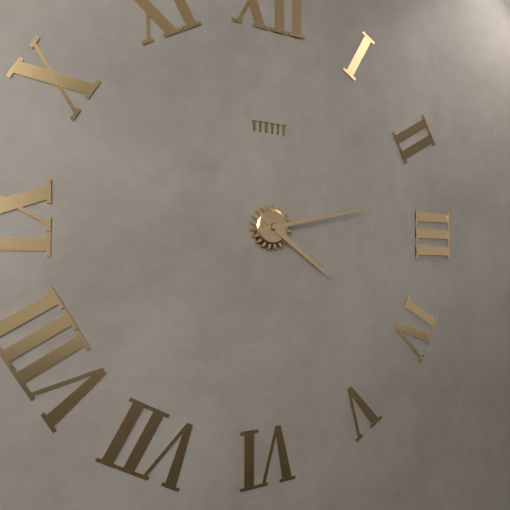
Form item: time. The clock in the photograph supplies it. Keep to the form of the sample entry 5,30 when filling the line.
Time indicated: 4,13
